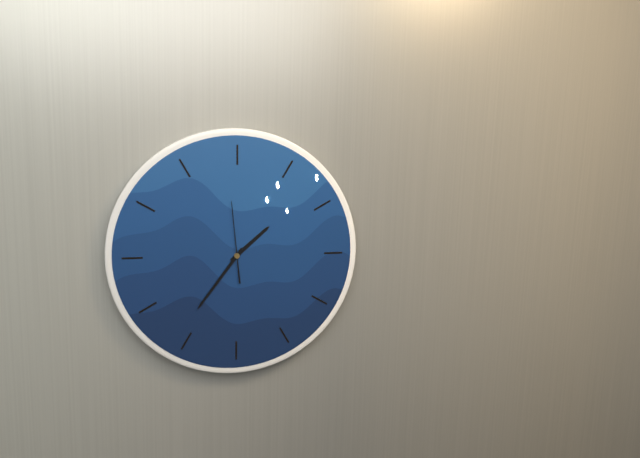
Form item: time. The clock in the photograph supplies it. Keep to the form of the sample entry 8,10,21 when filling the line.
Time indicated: 1,36,59
